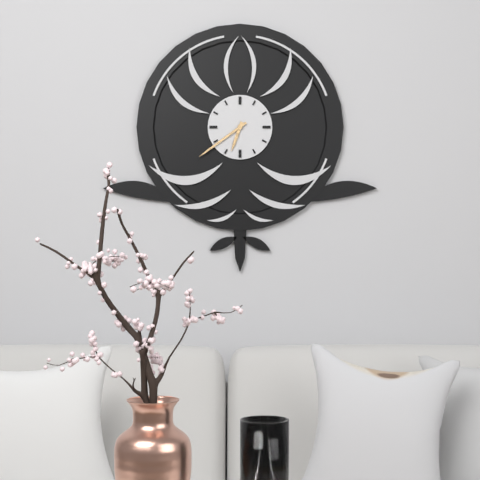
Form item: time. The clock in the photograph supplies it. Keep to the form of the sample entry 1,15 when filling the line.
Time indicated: 6,39
